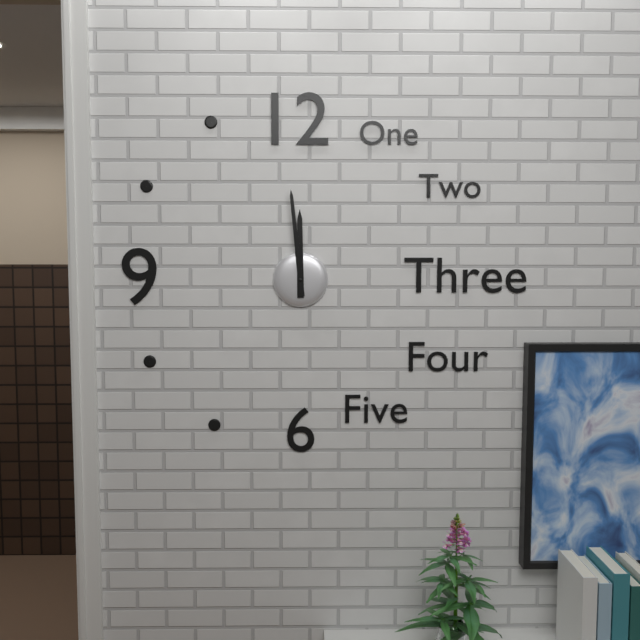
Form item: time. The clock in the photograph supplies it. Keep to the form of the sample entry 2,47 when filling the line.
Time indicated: 11,59
